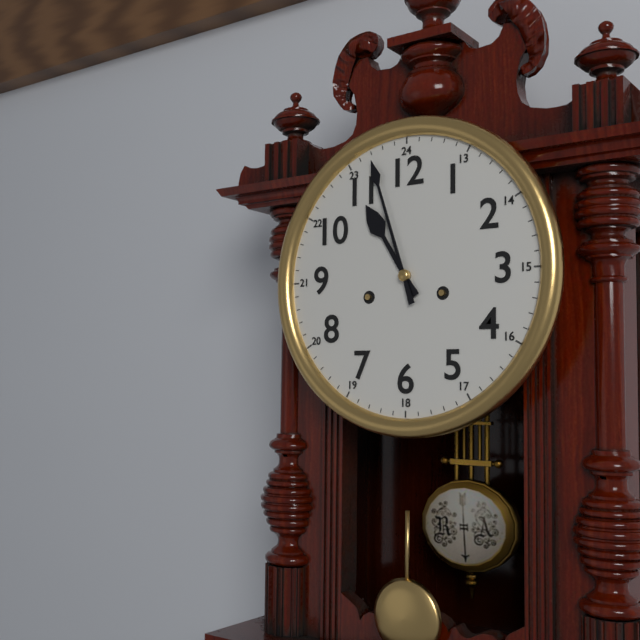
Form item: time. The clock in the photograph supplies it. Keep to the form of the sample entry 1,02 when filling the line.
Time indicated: 10,57
